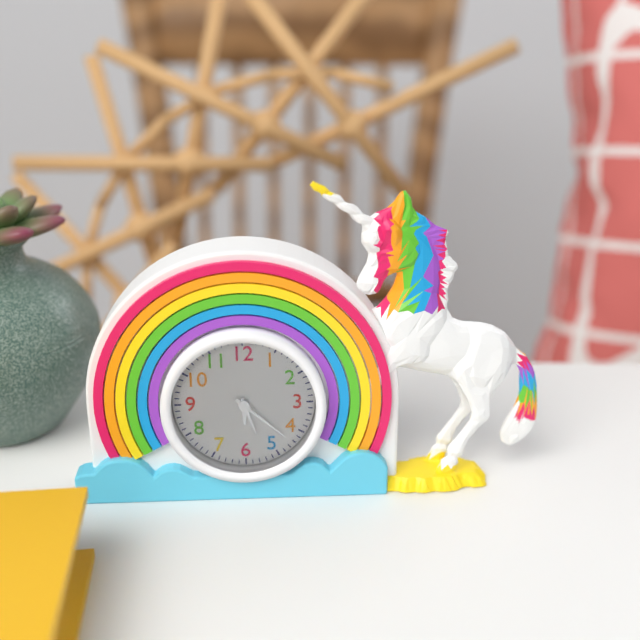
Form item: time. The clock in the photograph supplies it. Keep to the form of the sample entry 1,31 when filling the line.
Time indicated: 5,22
